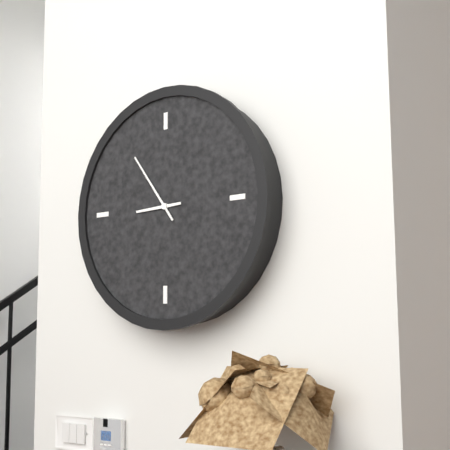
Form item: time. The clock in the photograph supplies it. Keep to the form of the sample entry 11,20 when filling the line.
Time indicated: 8,54
